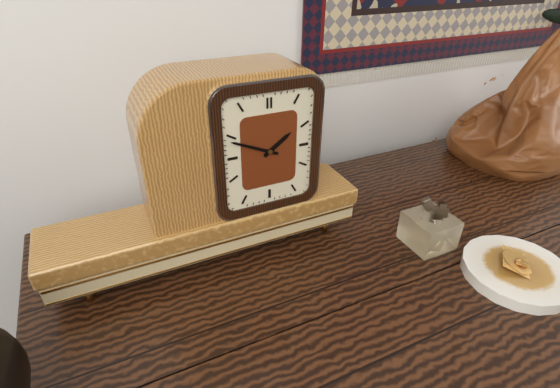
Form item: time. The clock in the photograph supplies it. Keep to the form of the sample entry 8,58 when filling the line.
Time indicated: 1,49
